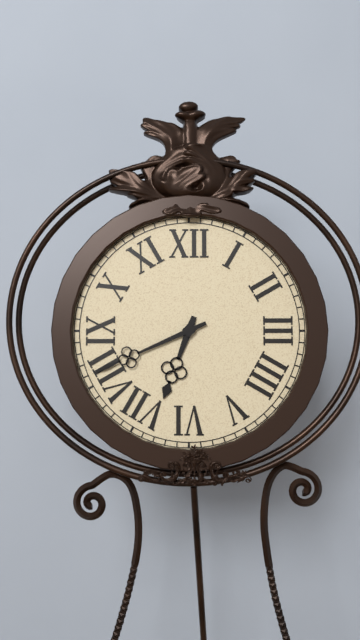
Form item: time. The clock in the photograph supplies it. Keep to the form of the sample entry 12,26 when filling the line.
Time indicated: 6,41
